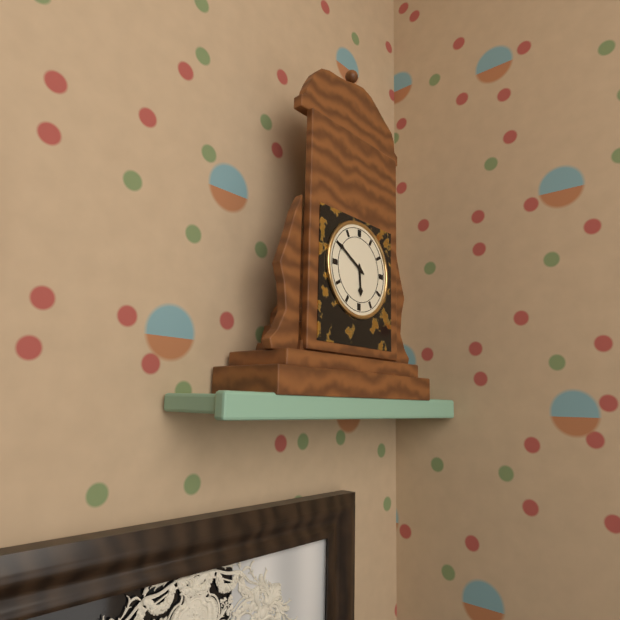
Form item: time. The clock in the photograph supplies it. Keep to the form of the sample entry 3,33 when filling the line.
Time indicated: 5,50
